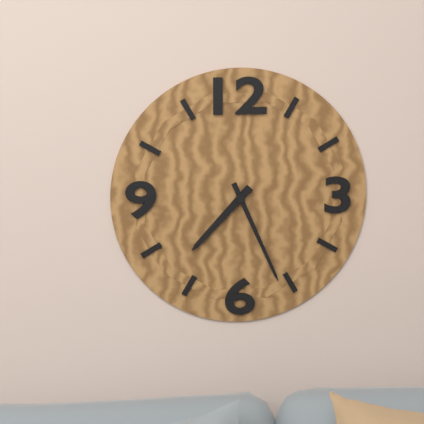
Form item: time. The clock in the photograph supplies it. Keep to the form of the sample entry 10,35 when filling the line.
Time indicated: 7,26
